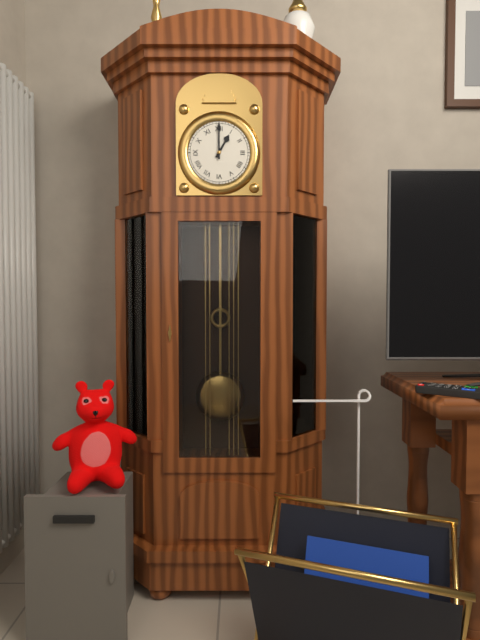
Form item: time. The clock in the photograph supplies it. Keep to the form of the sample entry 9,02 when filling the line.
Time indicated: 1,00
